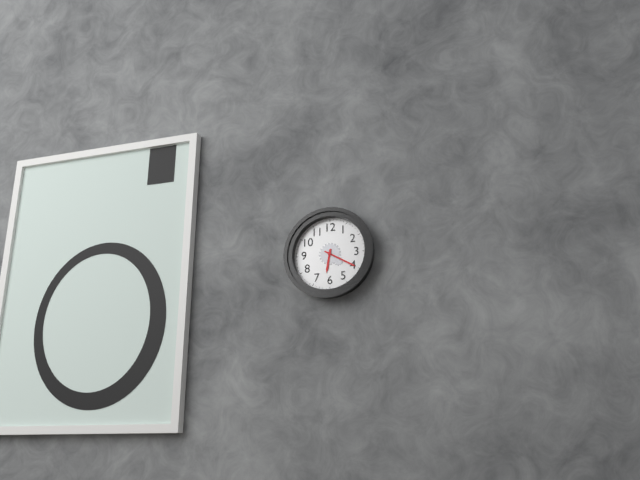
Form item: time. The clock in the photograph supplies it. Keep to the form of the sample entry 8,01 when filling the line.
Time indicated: 6,20
